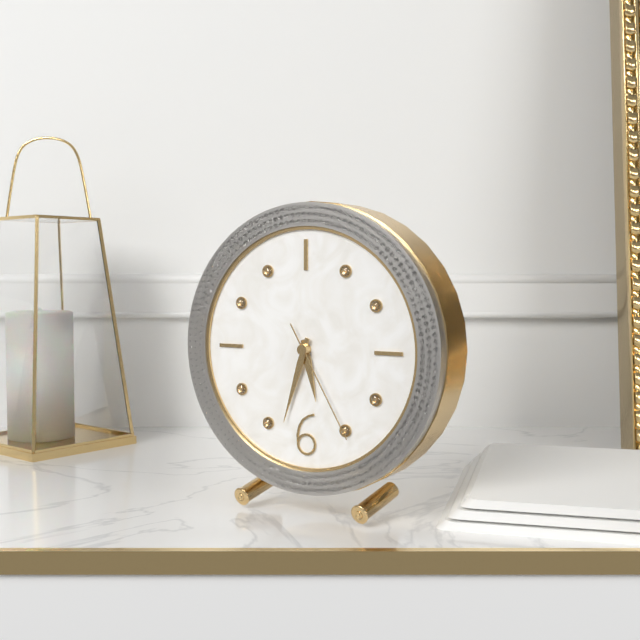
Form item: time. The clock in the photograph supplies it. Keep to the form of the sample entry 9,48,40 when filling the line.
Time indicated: 5,33,25
